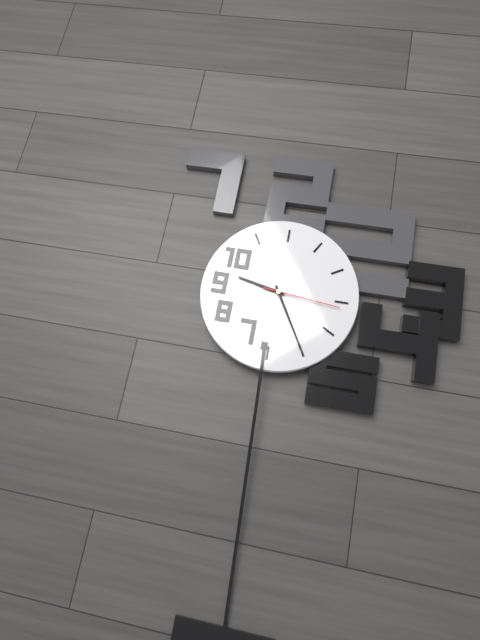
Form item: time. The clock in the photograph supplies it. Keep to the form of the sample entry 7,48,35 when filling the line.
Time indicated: 9,25,16
